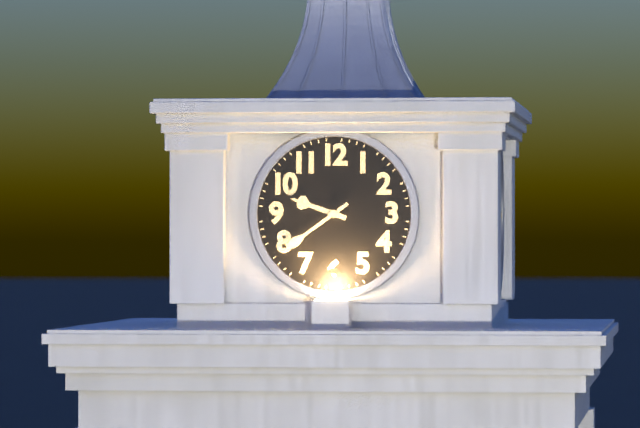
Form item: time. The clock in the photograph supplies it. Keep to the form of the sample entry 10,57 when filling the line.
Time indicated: 9,39
